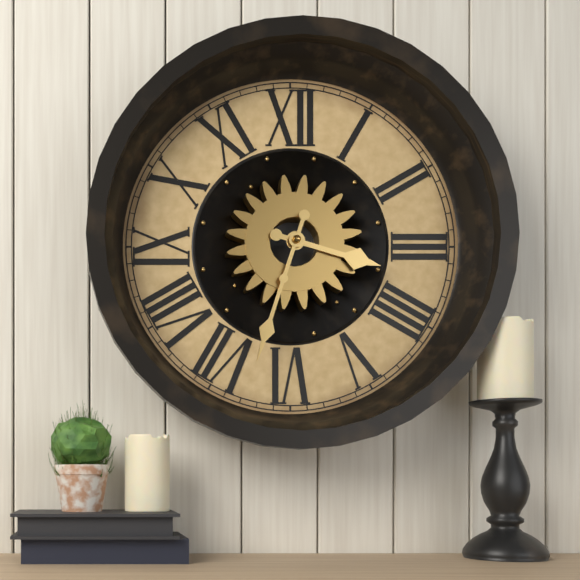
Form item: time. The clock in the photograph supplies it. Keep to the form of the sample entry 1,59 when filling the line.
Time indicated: 3,33
